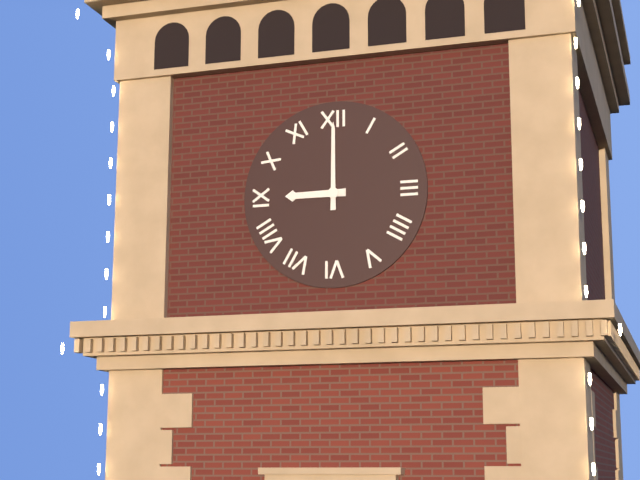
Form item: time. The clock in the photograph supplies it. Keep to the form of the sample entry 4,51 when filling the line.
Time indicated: 9,00
